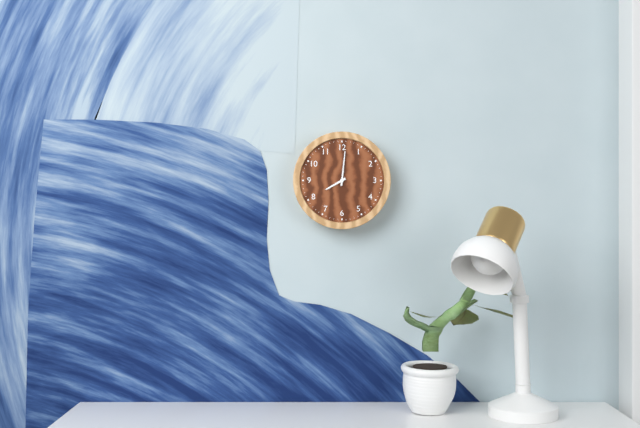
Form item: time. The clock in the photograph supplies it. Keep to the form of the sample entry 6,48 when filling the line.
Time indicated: 8,01
